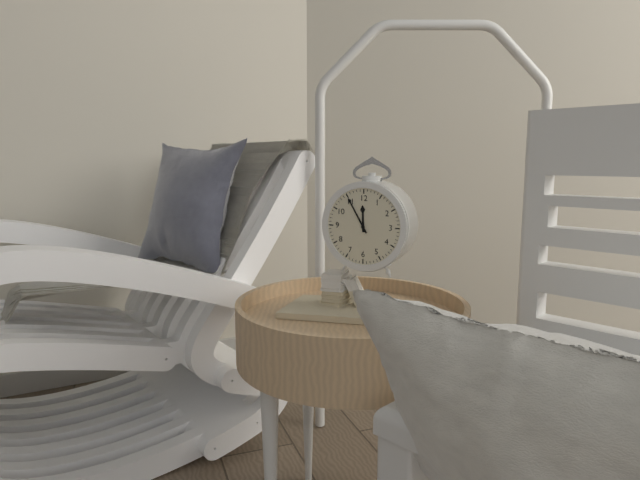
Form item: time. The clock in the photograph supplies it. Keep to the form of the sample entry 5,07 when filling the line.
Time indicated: 11,55
